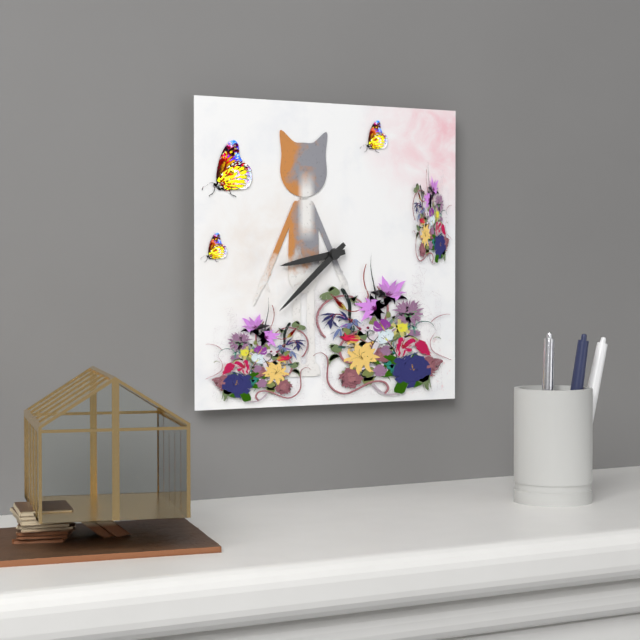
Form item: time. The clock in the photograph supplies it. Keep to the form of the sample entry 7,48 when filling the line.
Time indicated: 8,38
